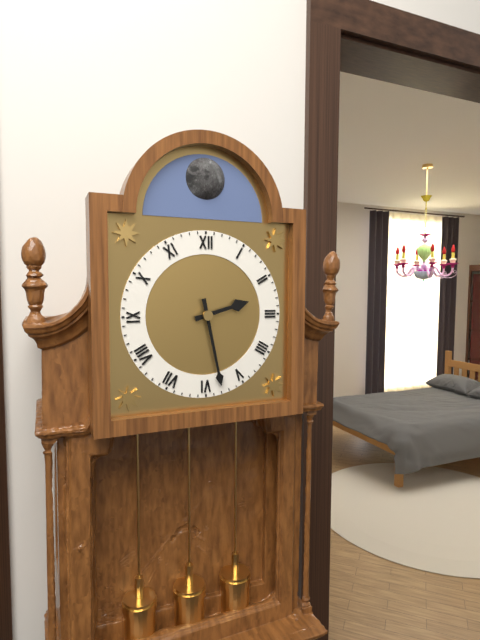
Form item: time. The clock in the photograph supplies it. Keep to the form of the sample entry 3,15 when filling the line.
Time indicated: 2,28
